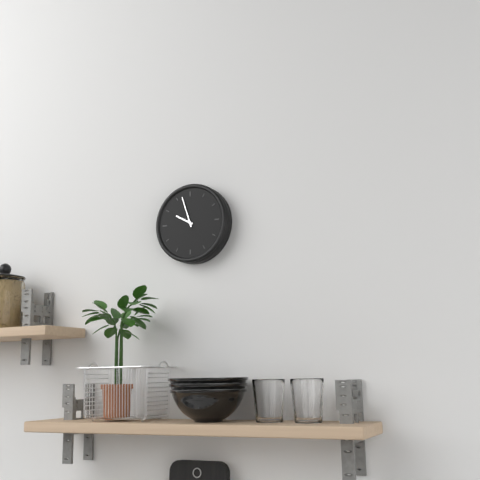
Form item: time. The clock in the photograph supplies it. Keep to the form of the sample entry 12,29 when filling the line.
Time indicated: 9,57
